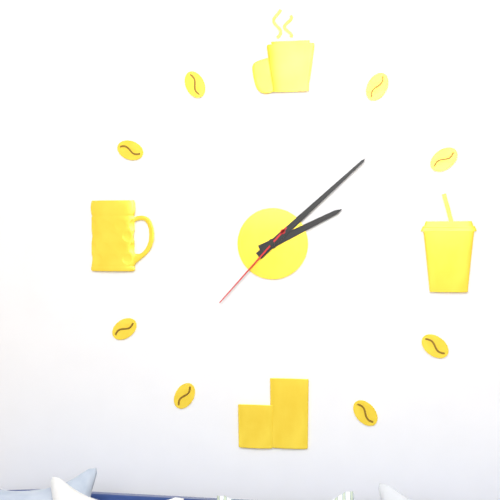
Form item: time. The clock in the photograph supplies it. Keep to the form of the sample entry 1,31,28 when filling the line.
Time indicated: 2,08,37
